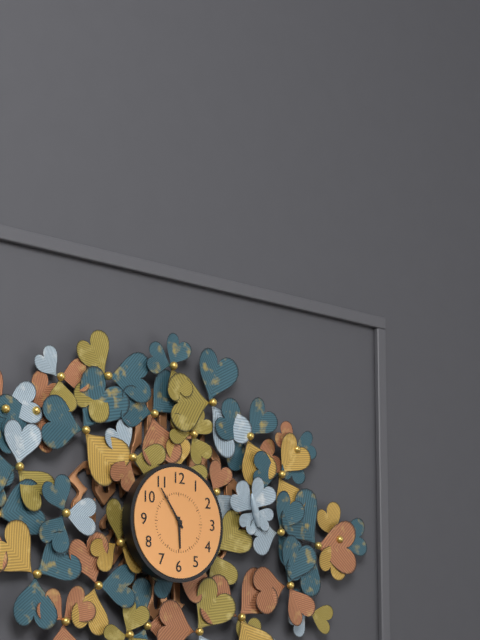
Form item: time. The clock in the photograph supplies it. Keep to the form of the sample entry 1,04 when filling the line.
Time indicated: 5,54
